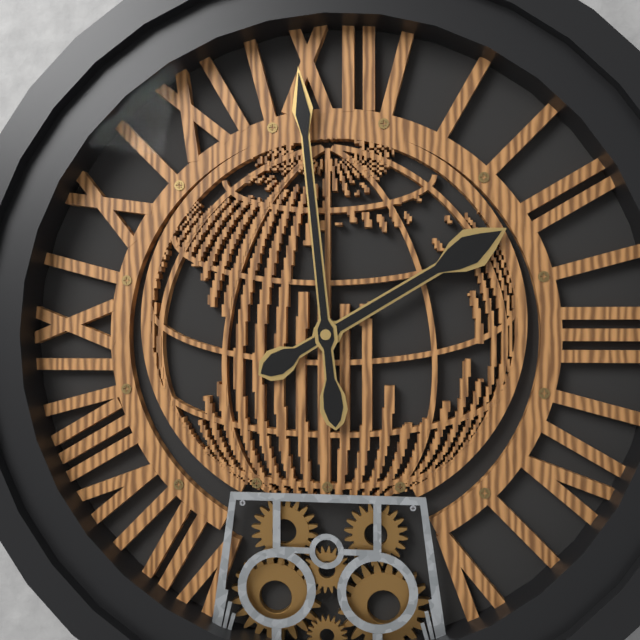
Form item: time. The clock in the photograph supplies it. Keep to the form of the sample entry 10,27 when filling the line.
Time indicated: 1,59
